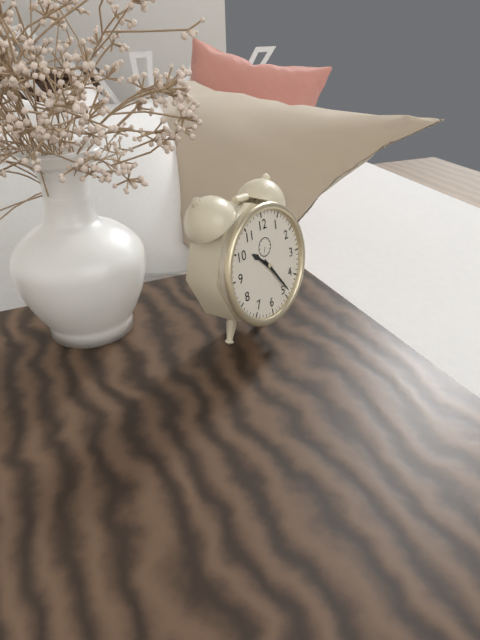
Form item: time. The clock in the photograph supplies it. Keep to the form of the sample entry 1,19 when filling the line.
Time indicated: 10,24
